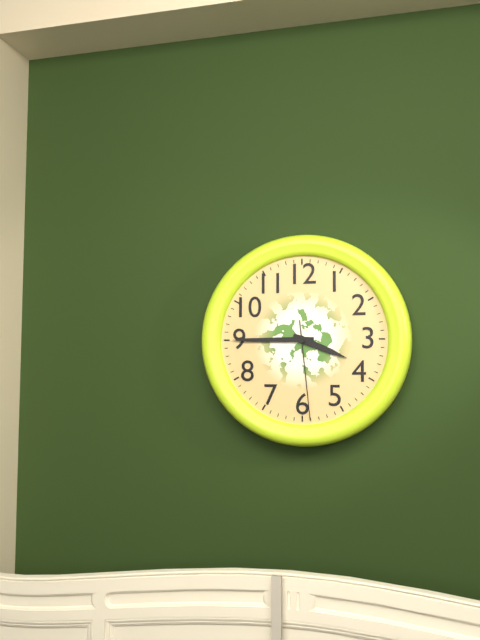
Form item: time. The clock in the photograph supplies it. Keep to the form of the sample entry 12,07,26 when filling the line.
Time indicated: 3,45,29
